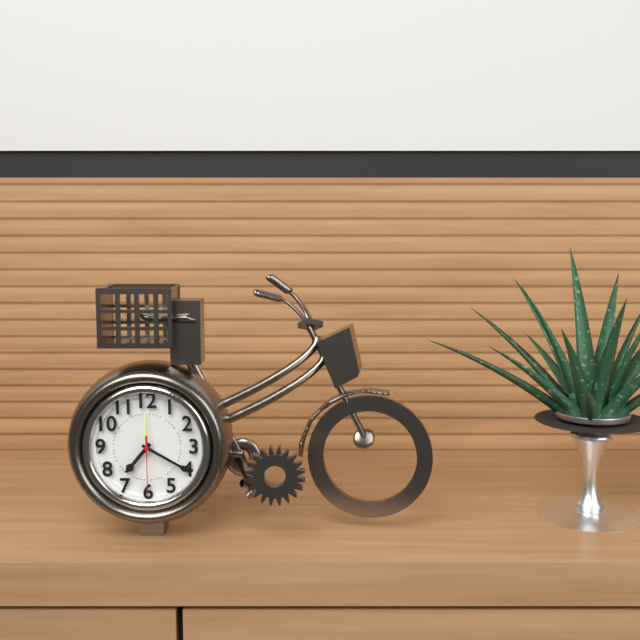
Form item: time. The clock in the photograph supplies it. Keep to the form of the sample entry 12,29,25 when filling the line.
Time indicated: 7,20,30
